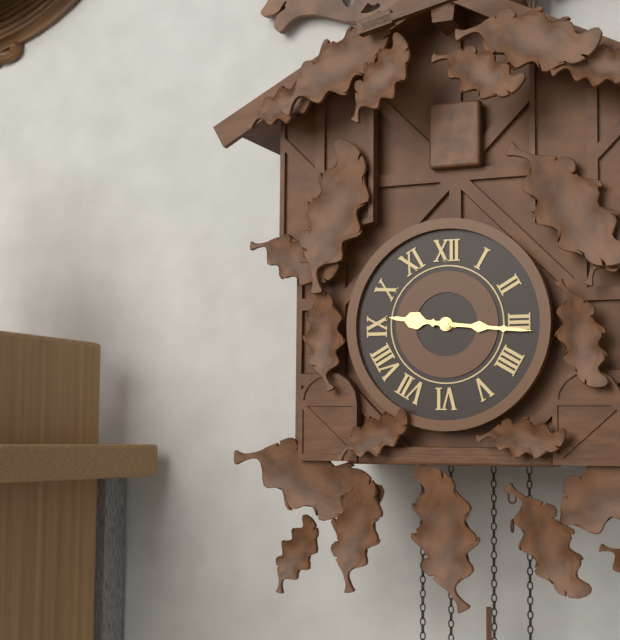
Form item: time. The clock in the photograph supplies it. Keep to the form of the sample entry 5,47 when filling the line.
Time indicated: 9,16
